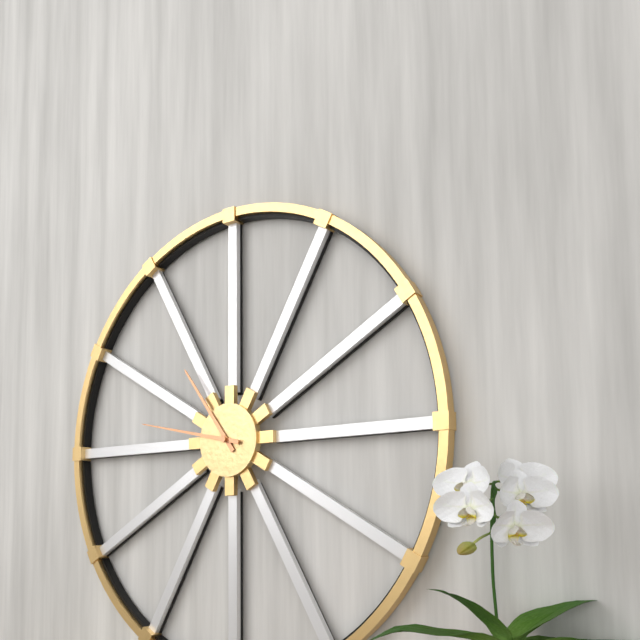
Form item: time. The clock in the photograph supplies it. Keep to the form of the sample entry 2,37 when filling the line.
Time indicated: 10,47
